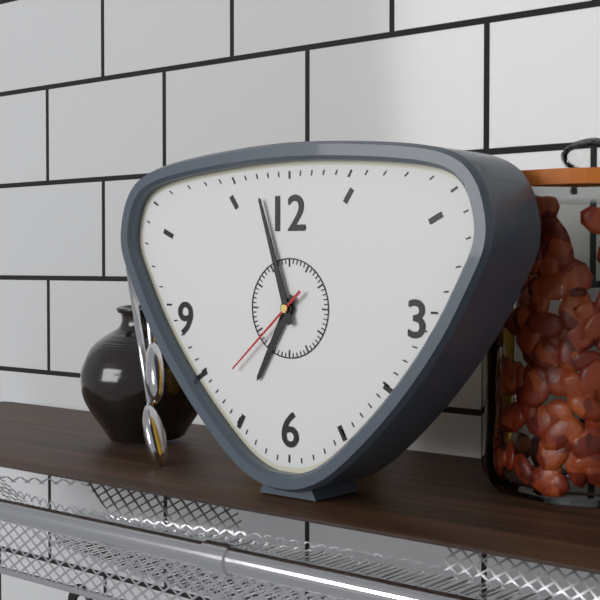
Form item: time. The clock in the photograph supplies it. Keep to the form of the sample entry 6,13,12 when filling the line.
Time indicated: 6,57,38
